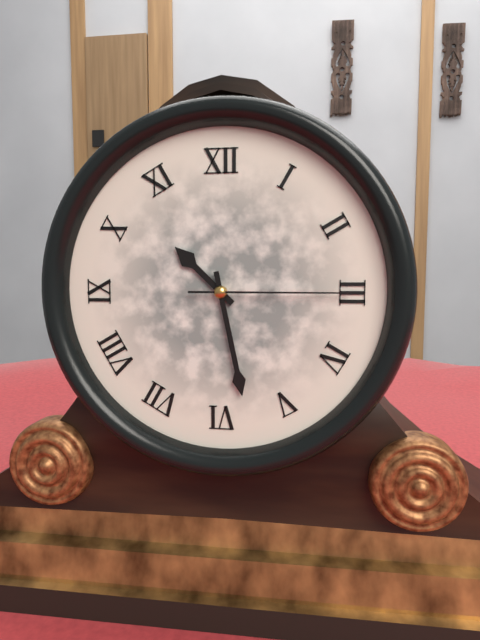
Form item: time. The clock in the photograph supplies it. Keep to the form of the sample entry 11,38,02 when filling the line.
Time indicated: 10,28,15
